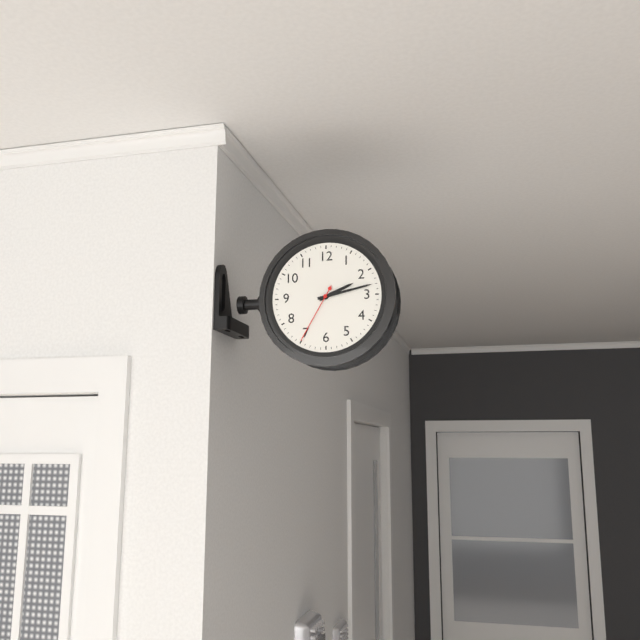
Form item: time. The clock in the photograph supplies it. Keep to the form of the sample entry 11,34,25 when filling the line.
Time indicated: 2,13,35
